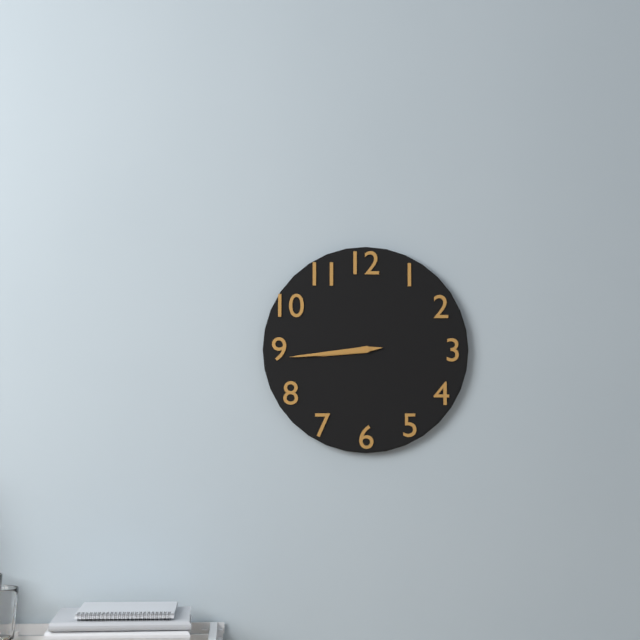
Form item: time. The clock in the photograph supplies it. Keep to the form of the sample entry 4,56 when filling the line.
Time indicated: 8,44
